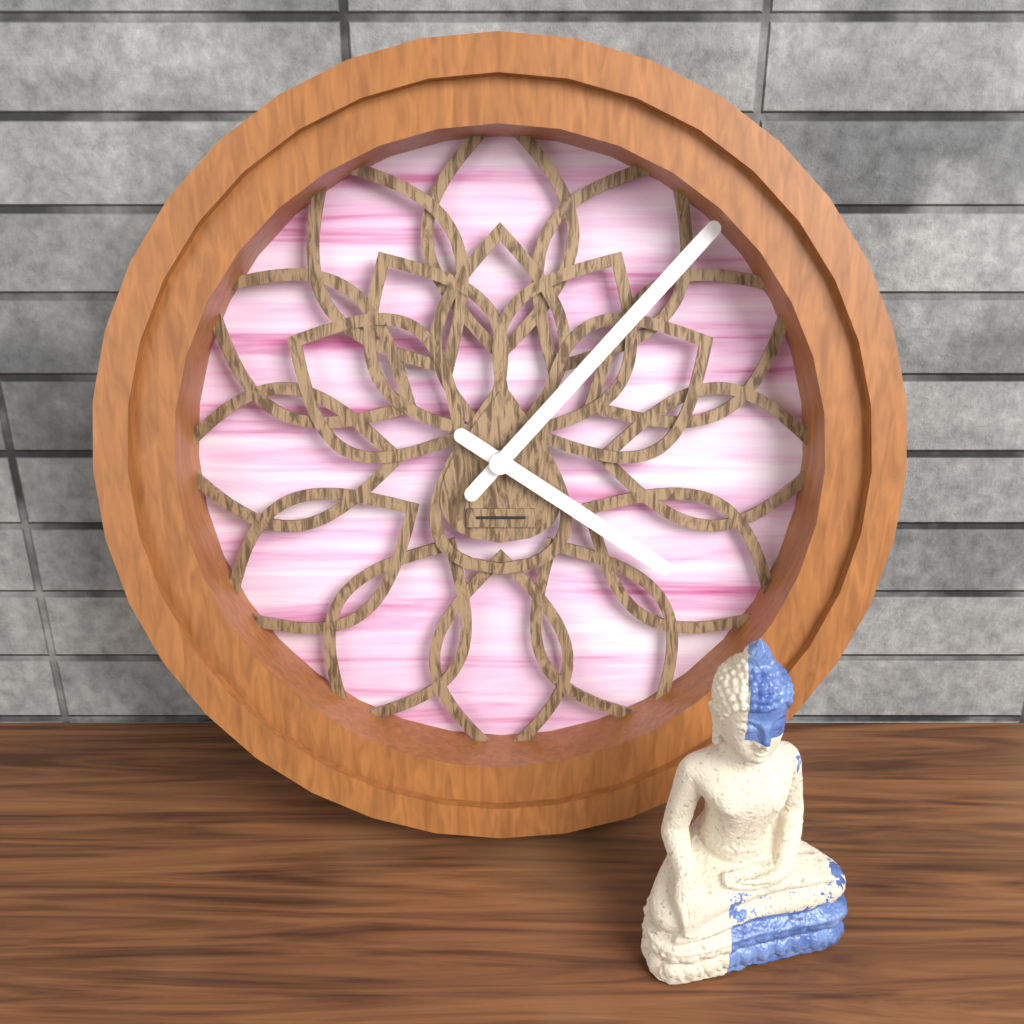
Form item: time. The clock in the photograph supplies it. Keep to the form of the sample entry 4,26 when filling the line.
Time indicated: 4,07
